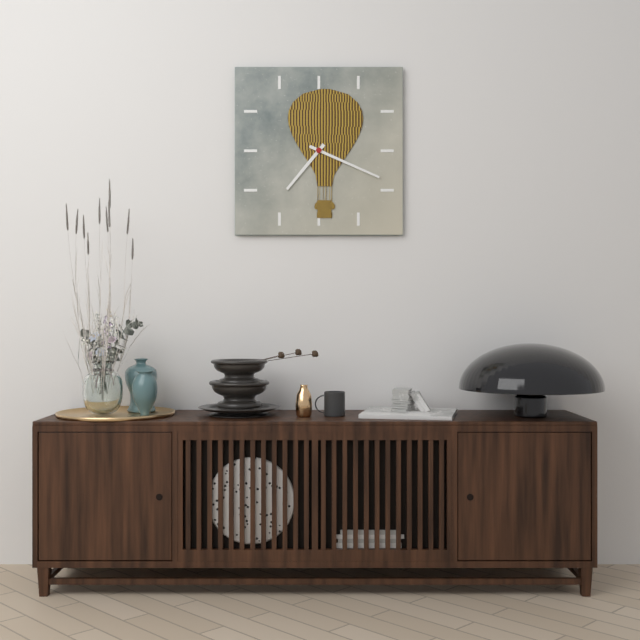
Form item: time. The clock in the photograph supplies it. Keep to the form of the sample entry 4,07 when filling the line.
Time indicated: 7,19
